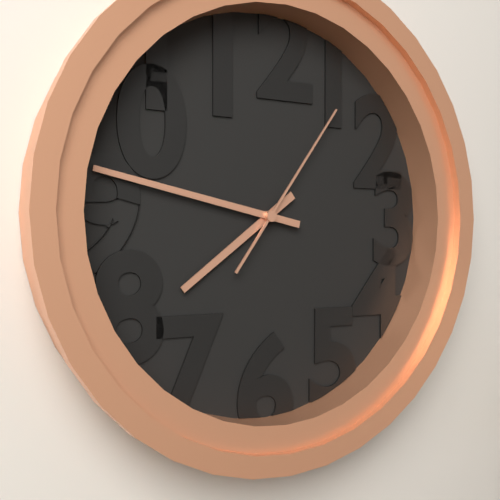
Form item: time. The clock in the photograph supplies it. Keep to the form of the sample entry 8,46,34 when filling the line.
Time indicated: 7,47,06
